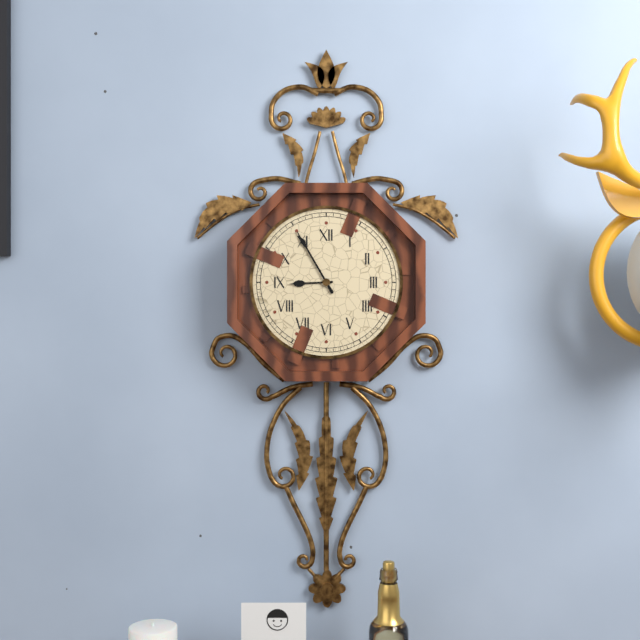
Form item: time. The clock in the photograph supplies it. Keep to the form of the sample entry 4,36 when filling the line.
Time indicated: 8,55
